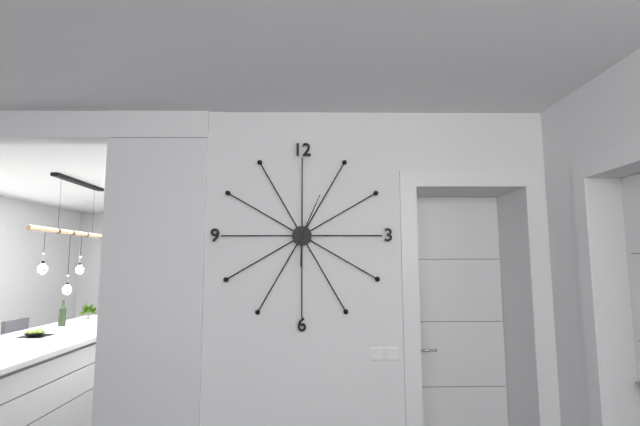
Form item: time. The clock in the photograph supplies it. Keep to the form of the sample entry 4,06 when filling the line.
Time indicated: 6,04
